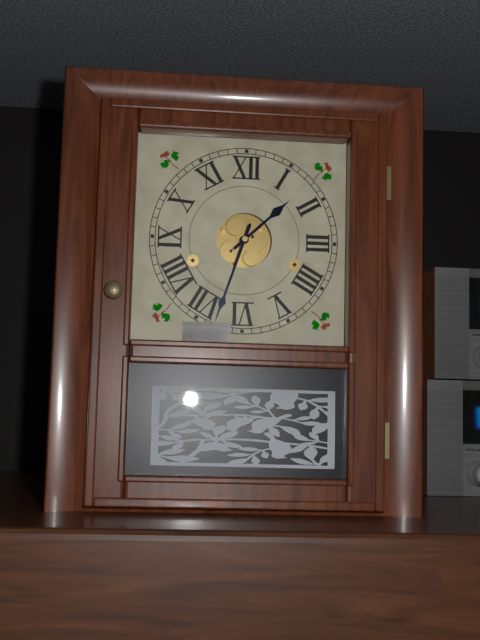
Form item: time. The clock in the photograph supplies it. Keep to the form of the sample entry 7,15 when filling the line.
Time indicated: 1,33
